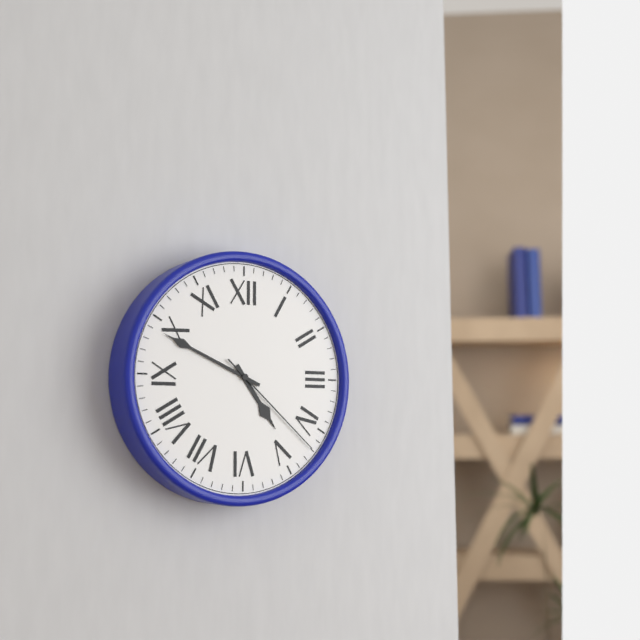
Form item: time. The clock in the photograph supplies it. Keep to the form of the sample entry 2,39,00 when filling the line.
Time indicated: 4,49,22
